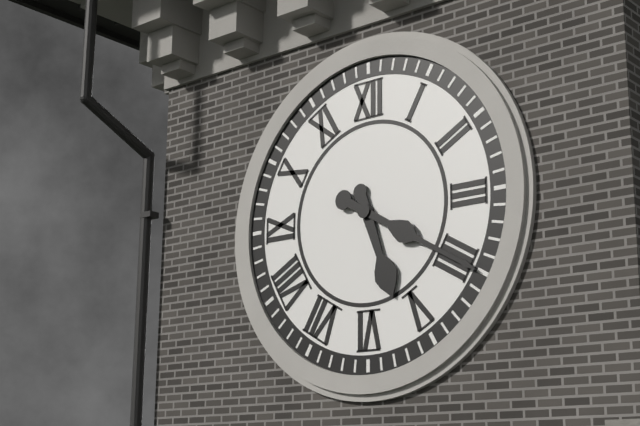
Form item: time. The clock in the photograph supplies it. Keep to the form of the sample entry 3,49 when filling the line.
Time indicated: 5,20
